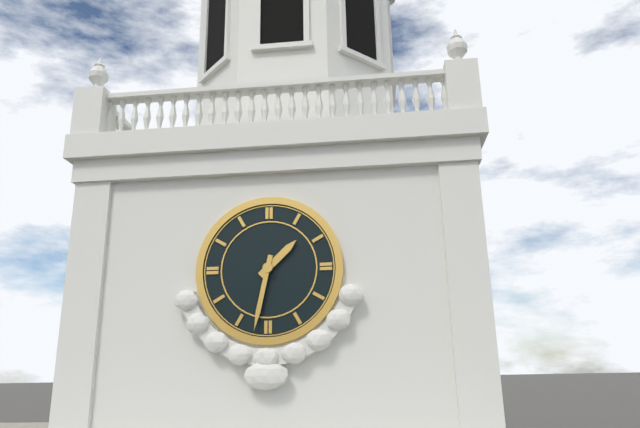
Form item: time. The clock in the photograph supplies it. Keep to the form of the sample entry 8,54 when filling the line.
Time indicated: 1,32
